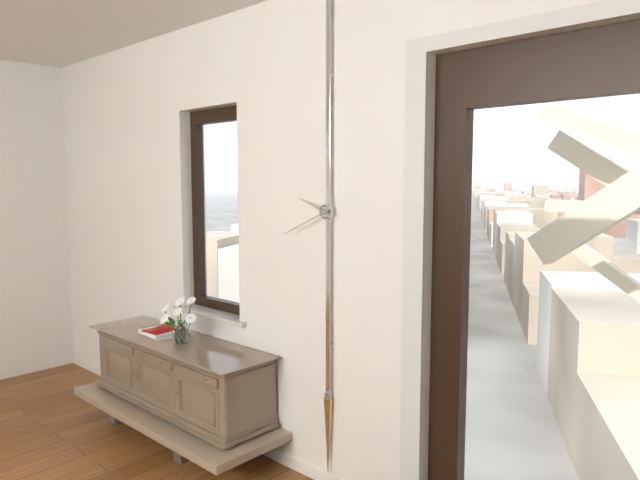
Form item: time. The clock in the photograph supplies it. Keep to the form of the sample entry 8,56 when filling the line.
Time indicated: 9,41
